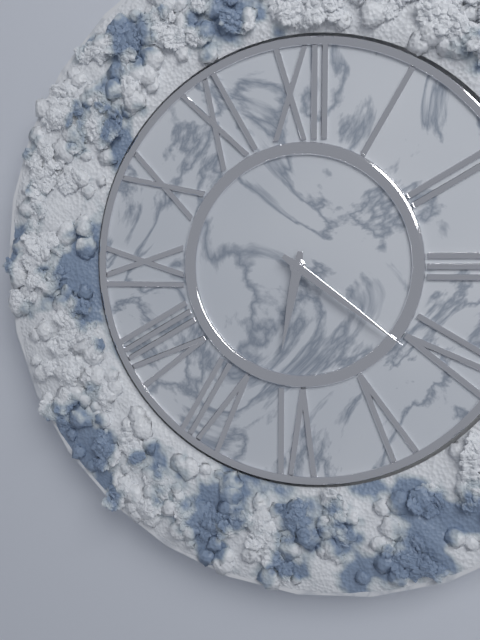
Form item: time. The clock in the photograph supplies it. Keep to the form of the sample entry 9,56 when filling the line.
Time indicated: 6,21
